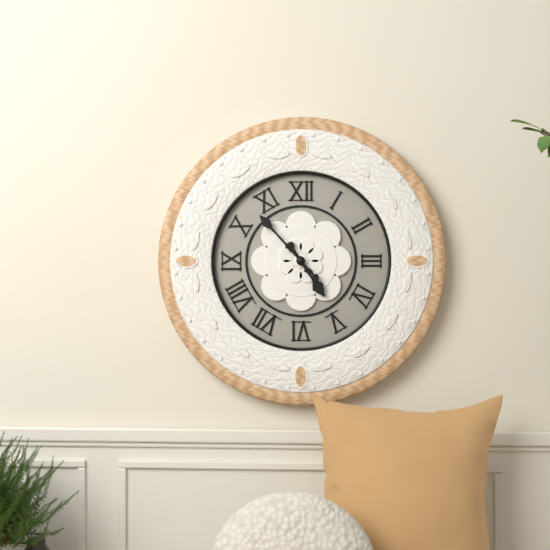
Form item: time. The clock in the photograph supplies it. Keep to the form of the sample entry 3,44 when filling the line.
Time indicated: 4,53
